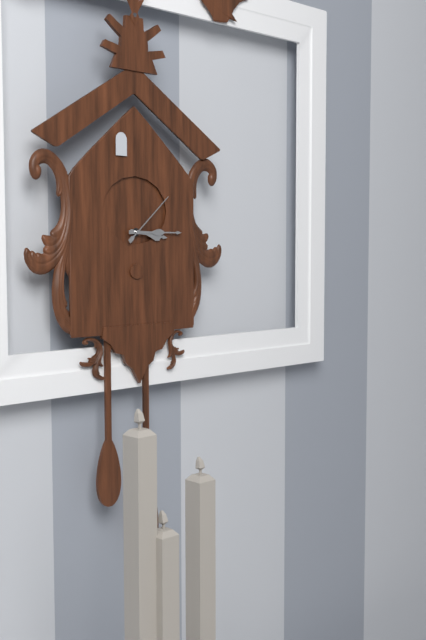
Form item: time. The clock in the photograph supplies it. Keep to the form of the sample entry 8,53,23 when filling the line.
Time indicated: 3,15,08
